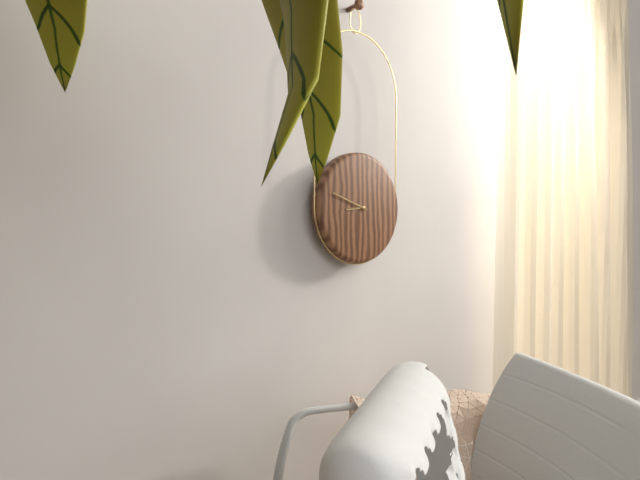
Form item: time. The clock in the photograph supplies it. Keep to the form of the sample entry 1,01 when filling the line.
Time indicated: 8,48
